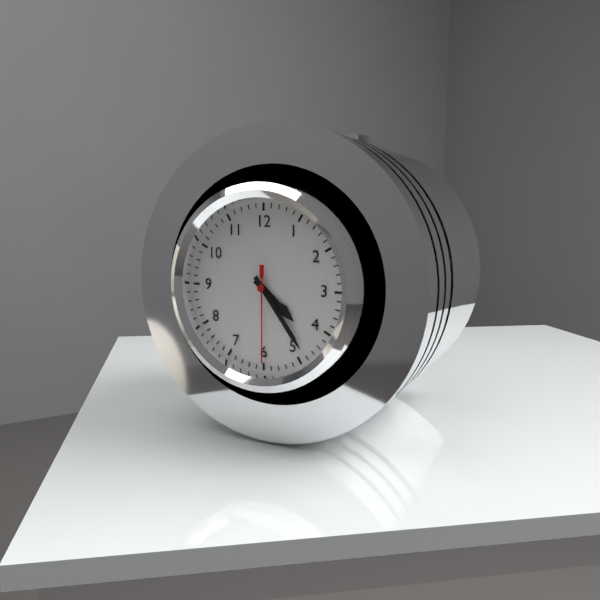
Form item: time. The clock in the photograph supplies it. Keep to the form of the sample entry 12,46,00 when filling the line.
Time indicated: 4,24,30
